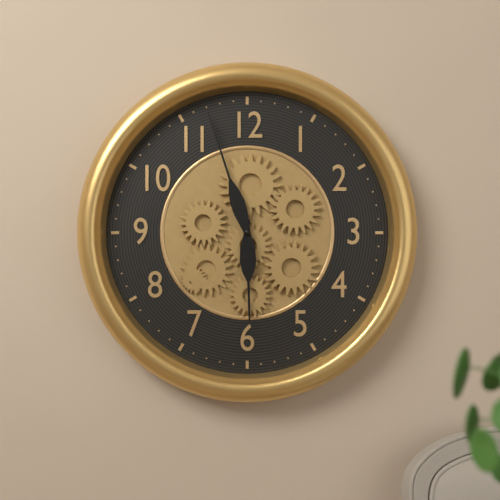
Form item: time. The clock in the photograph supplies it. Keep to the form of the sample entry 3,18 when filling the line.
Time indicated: 5,57
